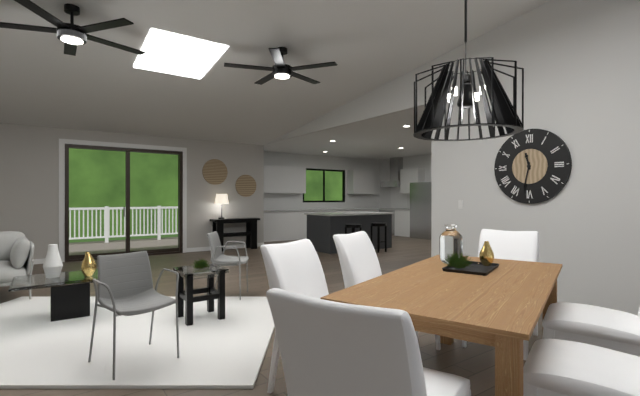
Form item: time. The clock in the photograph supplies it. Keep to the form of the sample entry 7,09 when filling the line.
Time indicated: 11,32
